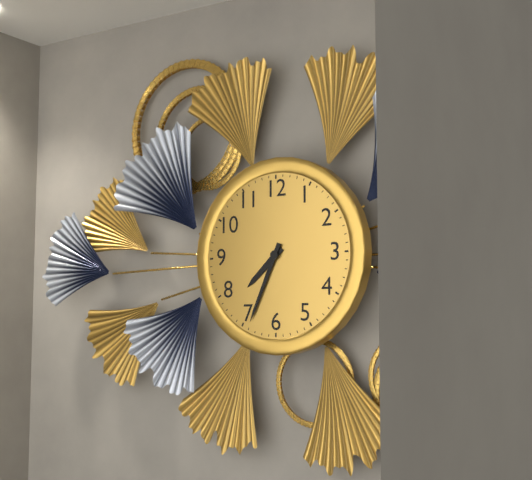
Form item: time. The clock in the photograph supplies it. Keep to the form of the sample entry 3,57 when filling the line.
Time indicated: 7,34
